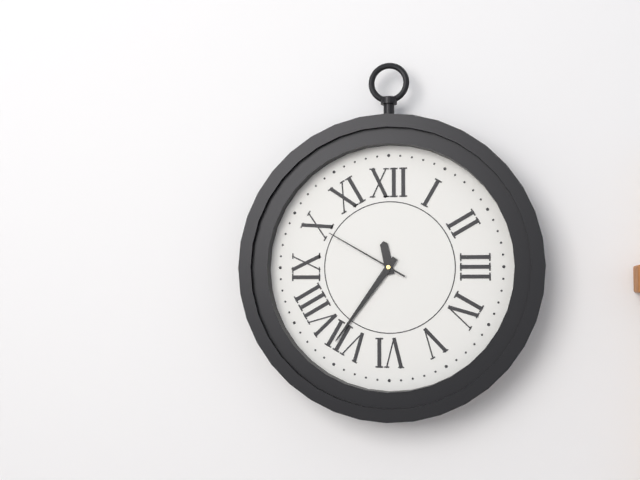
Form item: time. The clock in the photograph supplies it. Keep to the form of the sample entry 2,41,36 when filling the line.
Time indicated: 11,36,50
